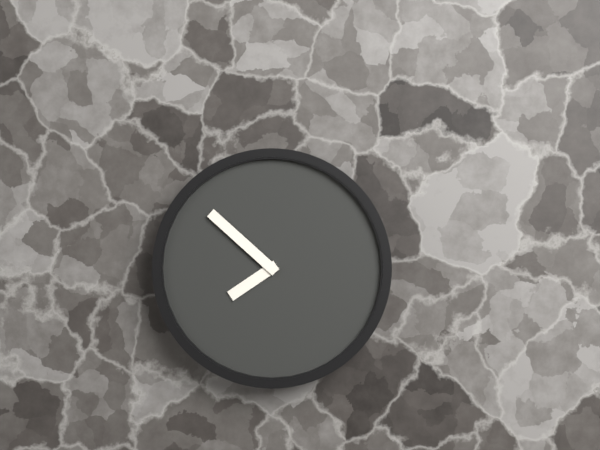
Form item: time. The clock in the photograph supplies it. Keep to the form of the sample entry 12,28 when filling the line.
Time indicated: 7,52
